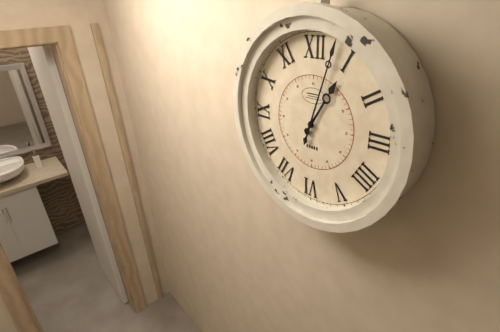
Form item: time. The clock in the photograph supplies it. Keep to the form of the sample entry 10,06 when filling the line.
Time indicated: 1,03
